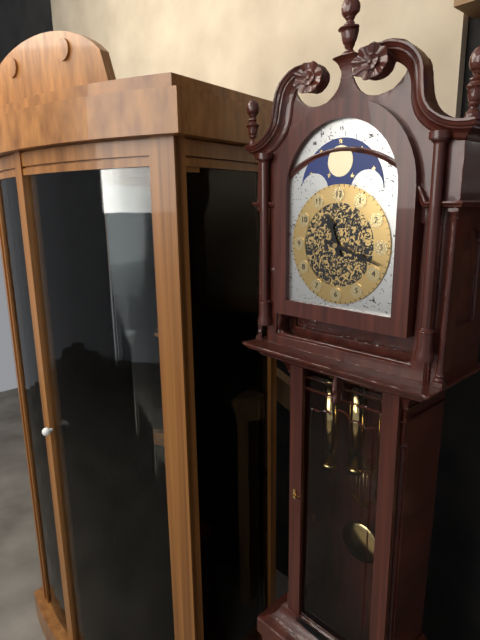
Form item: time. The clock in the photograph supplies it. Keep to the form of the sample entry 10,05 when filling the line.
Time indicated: 11,18
